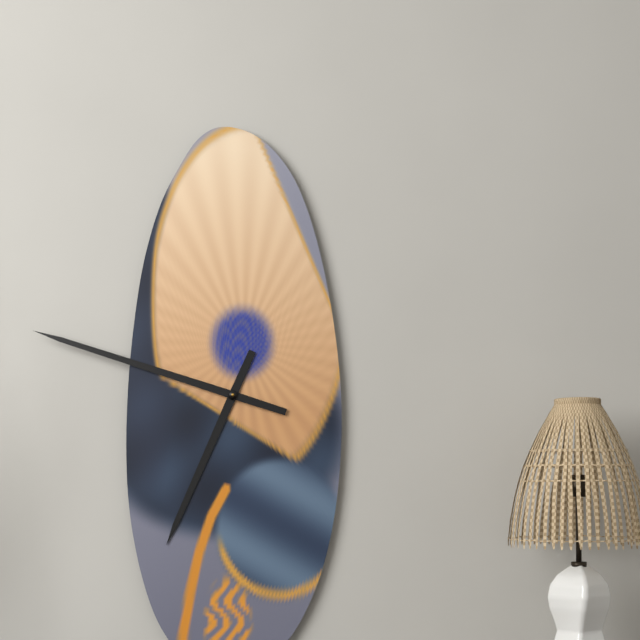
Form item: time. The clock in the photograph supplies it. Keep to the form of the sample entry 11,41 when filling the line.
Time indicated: 6,48
